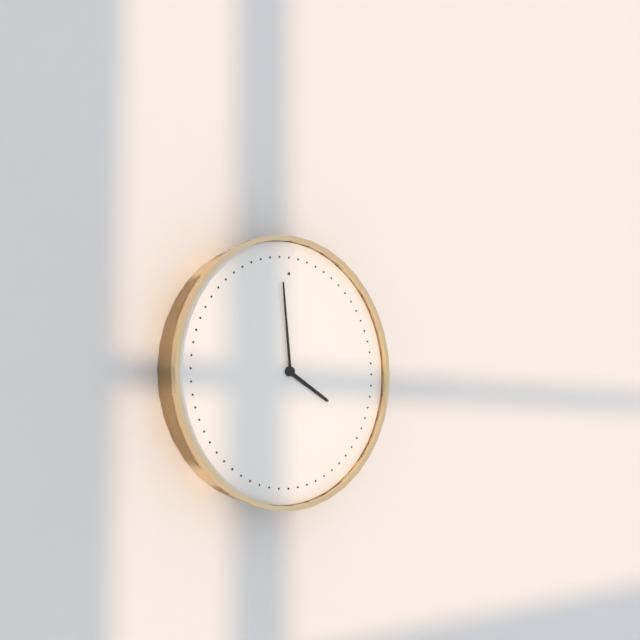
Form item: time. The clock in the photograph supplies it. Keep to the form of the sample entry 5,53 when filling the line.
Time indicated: 3,59
